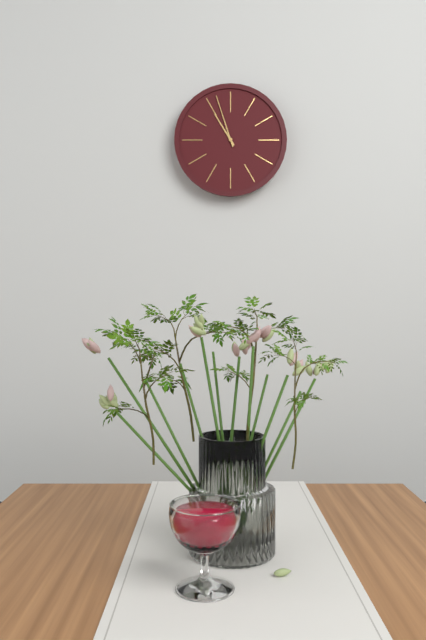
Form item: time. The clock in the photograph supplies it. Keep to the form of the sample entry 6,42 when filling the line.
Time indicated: 10,57
